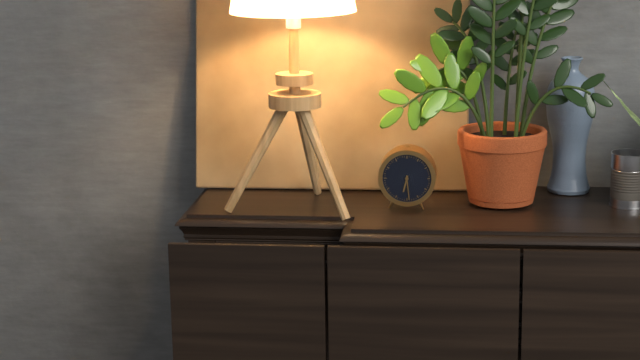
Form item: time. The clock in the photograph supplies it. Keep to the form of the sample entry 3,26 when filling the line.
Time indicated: 6,29
